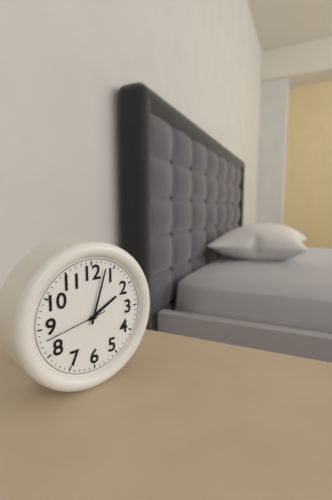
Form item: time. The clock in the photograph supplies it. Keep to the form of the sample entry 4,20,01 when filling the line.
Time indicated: 2,03,43
